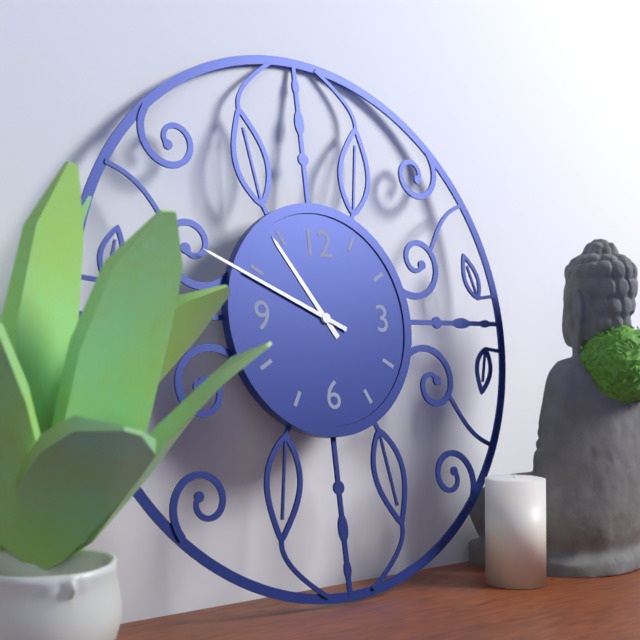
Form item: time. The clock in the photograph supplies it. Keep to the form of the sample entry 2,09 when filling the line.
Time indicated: 10,49
